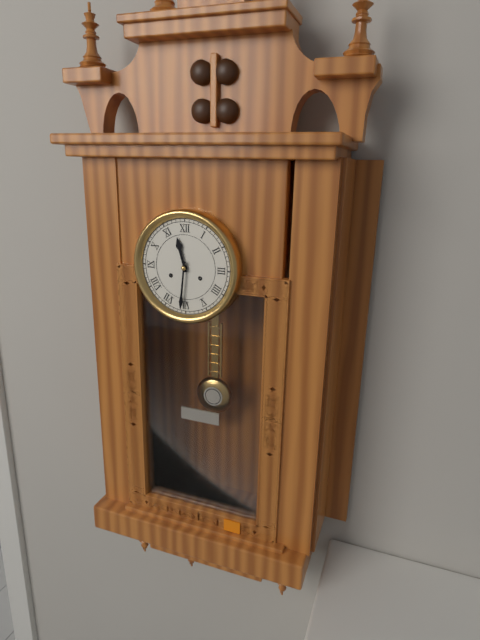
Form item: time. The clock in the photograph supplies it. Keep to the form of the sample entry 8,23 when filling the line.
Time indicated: 11,31
